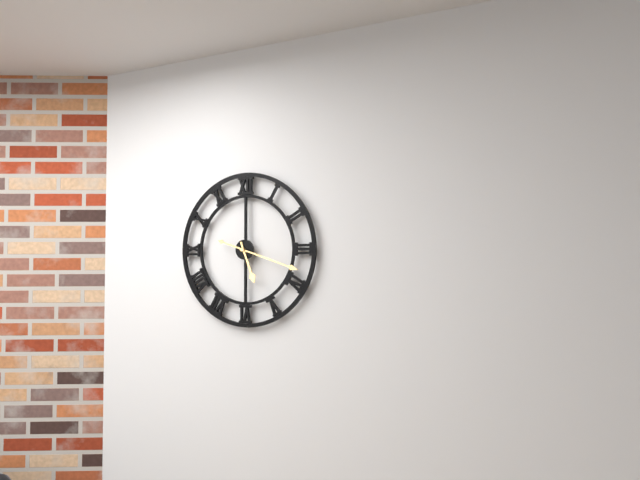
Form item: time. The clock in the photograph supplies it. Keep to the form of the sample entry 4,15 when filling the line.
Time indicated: 5,18
